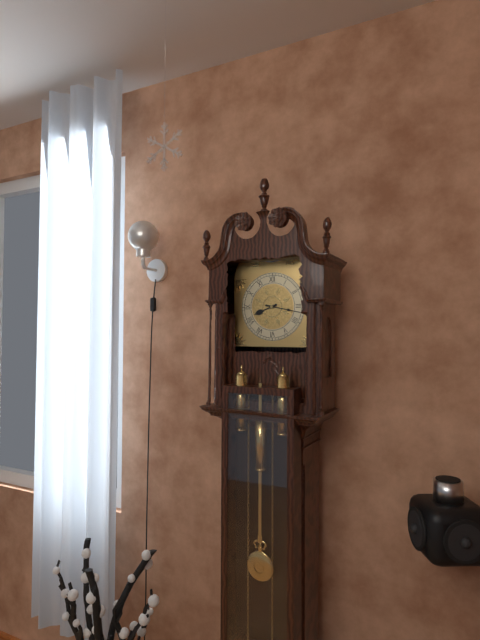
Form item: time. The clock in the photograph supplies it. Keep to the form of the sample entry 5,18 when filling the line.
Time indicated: 8,17
